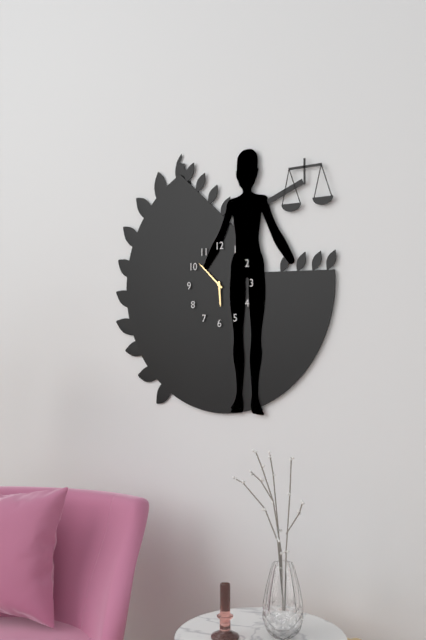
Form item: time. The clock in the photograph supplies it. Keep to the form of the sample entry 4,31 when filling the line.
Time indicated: 5,52
